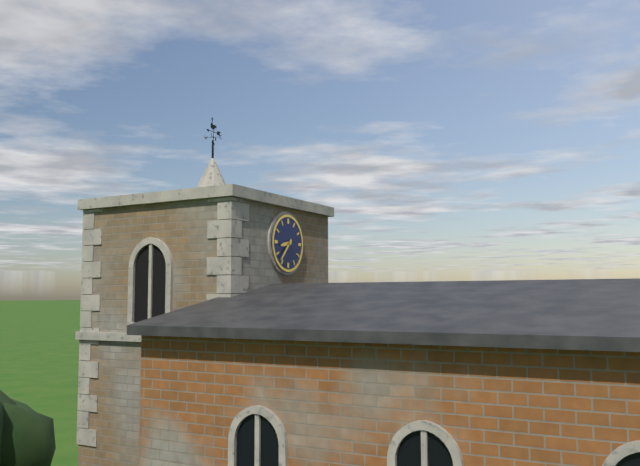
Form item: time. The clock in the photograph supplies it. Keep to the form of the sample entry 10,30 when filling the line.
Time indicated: 8,37
